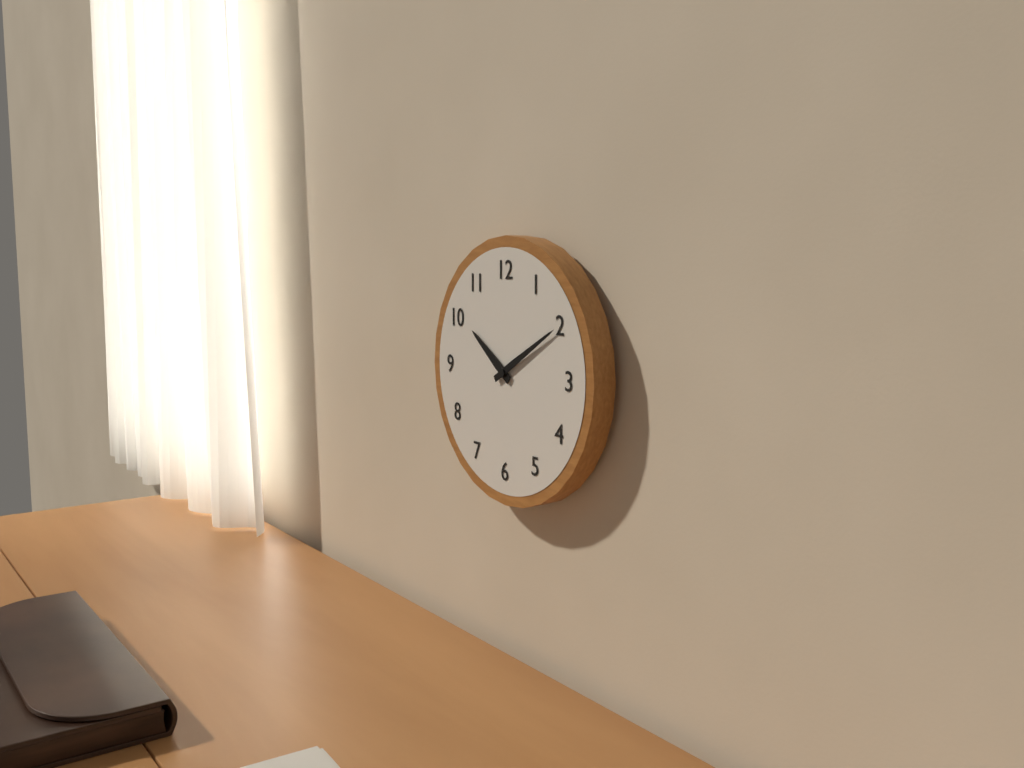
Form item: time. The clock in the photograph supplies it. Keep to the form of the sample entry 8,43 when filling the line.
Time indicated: 10,10
